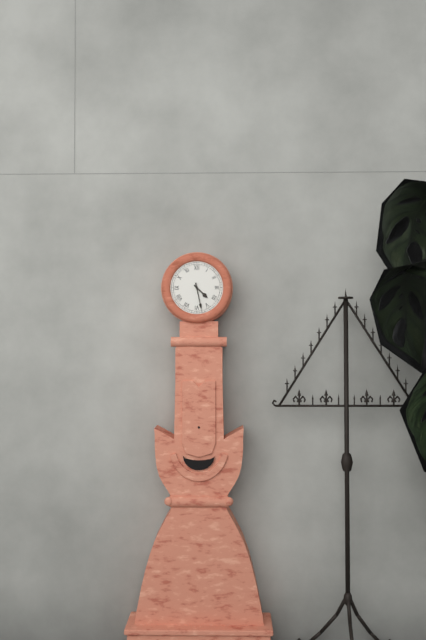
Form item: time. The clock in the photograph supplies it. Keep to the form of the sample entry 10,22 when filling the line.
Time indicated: 4,28
